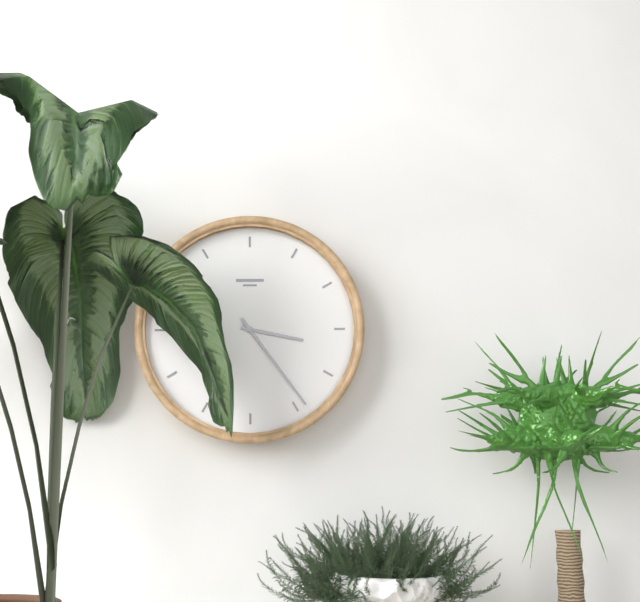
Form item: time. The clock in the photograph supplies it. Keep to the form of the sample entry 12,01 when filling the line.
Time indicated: 3,24
